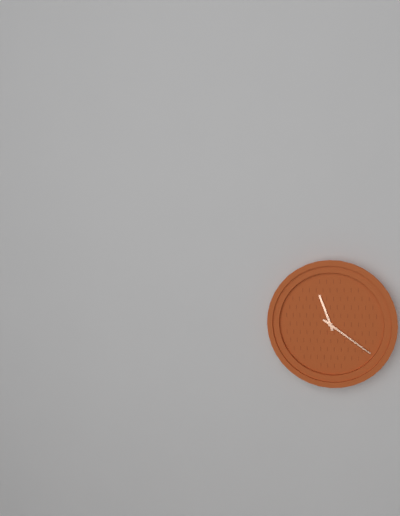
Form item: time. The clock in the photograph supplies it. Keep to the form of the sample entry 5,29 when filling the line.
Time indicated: 11,21
